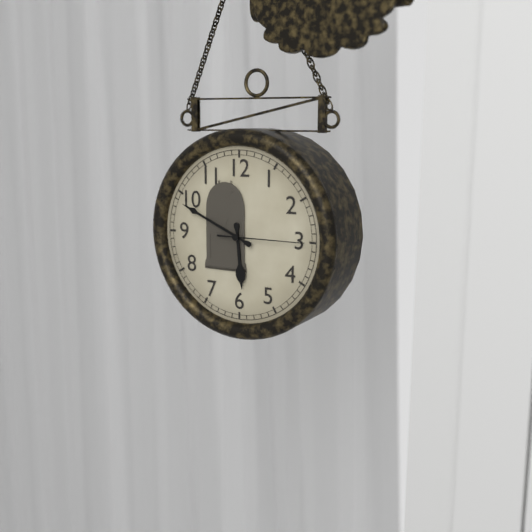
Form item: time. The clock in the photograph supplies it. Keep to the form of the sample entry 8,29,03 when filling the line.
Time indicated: 5,49,15
